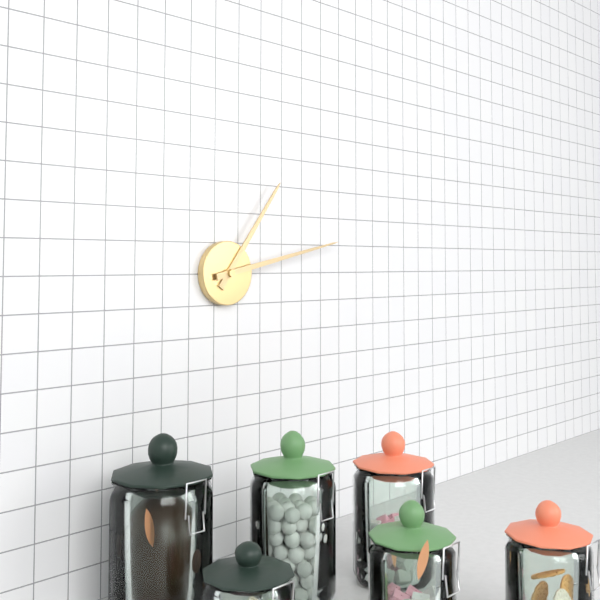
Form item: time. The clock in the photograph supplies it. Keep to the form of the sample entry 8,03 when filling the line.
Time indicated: 1,13
